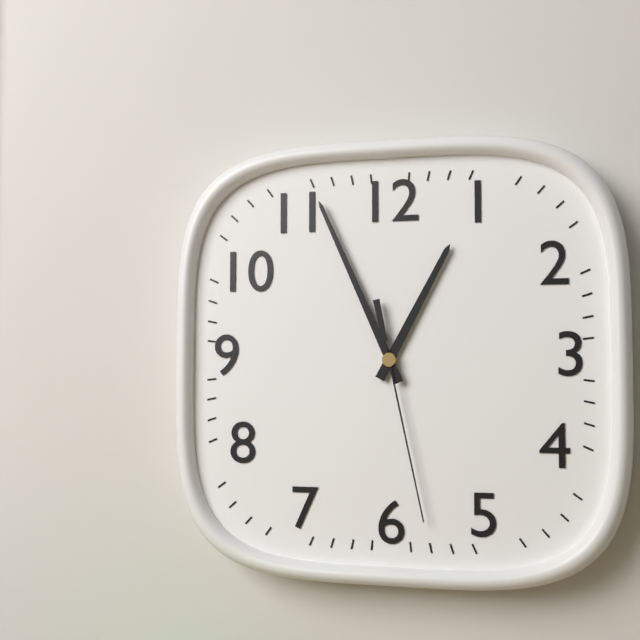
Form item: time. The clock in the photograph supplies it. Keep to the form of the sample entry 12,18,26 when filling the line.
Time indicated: 12,56,28
